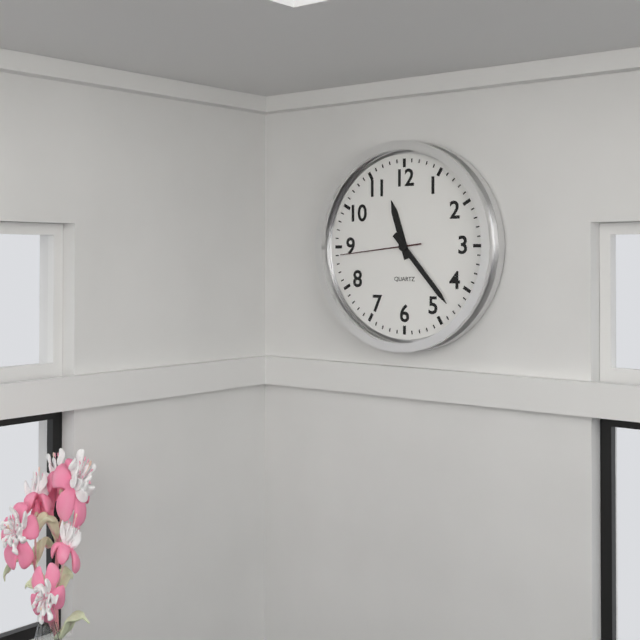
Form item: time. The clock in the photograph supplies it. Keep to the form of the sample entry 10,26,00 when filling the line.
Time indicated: 11,23,44
